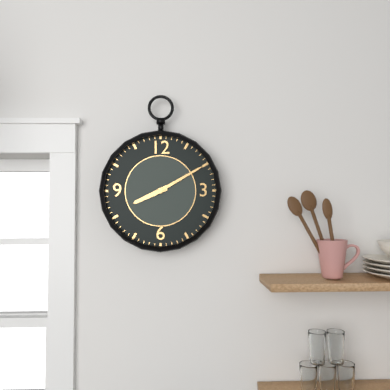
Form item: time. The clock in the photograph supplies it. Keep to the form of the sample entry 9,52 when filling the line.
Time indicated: 8,10
